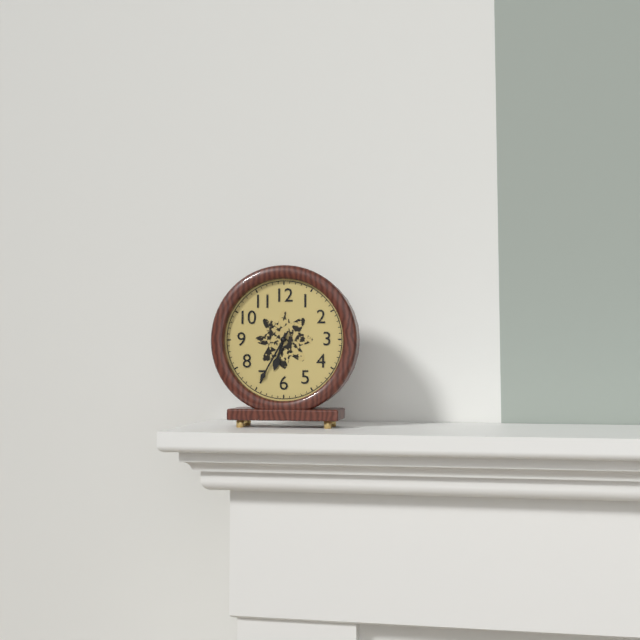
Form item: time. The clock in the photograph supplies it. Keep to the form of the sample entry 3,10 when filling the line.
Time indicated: 6,35
